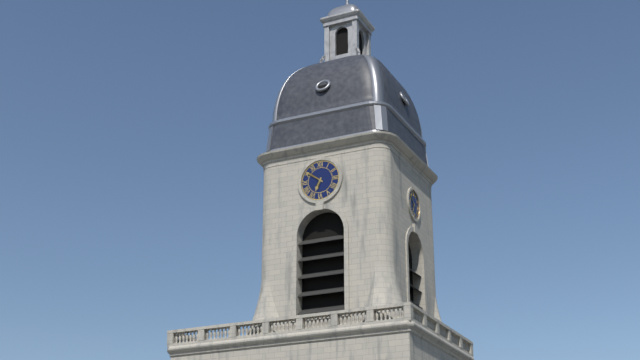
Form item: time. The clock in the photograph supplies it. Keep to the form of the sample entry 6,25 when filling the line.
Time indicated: 6,51
